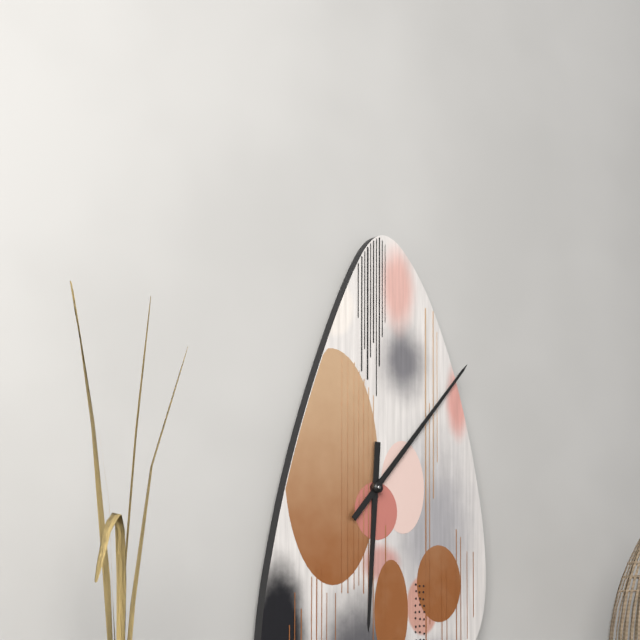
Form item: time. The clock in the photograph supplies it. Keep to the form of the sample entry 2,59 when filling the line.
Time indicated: 6,07
